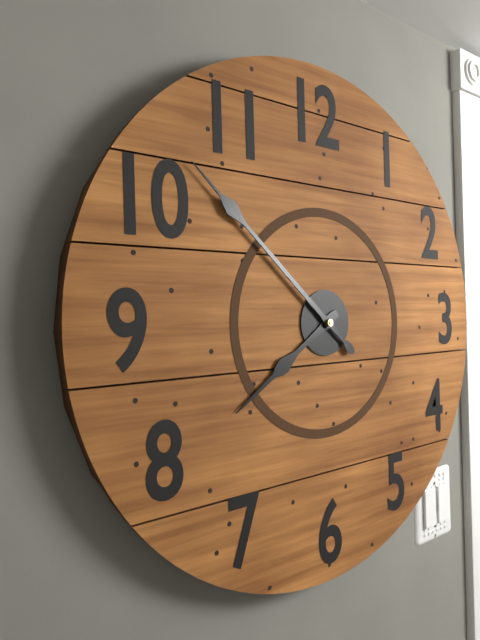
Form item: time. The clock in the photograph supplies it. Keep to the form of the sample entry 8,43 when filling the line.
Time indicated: 7,52
